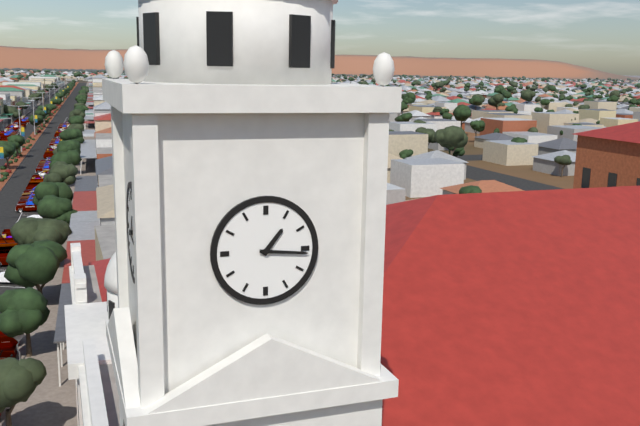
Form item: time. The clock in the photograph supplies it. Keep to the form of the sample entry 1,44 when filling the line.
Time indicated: 1,16
